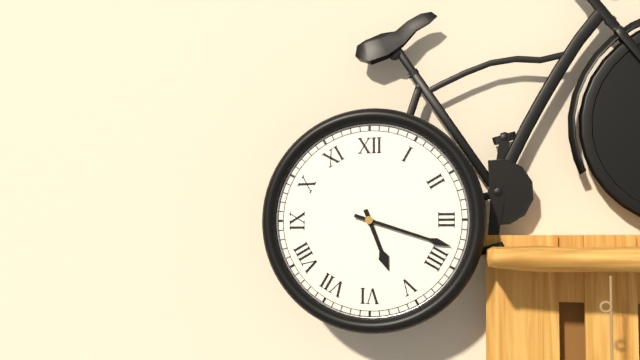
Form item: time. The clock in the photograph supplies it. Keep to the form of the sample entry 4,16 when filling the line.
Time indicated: 5,18
